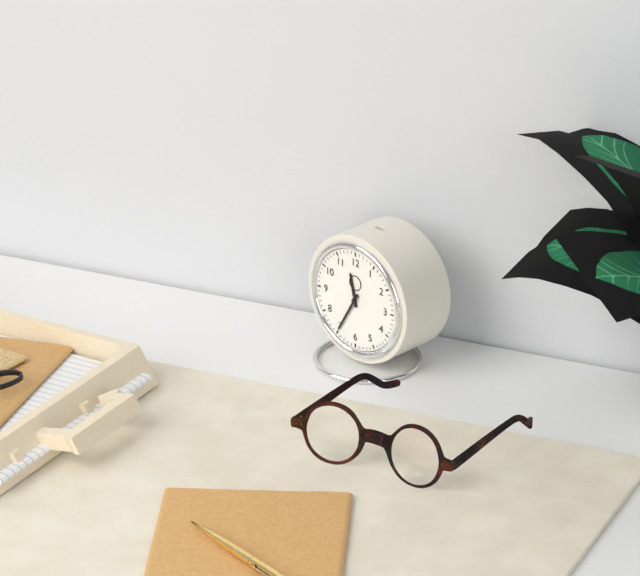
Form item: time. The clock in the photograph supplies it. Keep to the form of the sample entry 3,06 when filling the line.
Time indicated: 11,35
